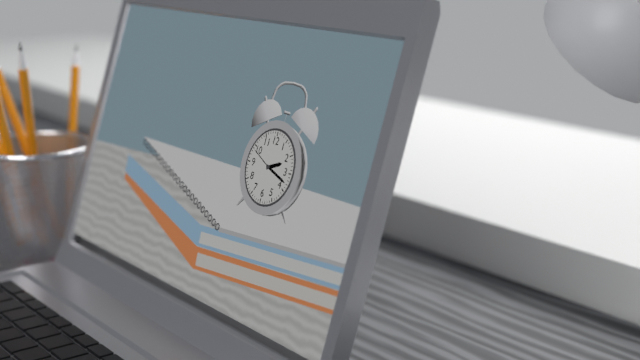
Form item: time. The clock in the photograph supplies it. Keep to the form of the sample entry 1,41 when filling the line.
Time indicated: 2,18
